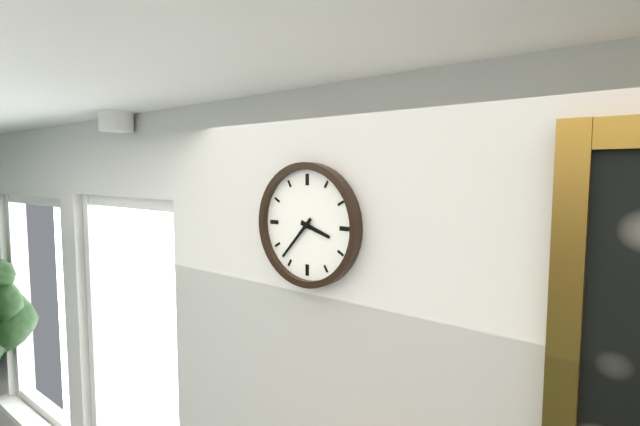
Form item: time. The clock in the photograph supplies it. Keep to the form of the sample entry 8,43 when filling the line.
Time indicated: 3,37
